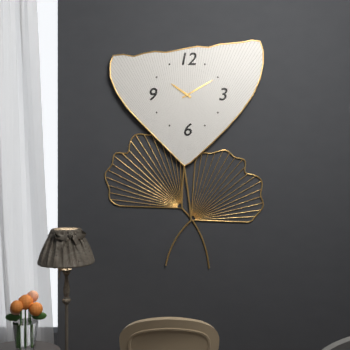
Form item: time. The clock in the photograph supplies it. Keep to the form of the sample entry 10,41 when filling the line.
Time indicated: 10,10
